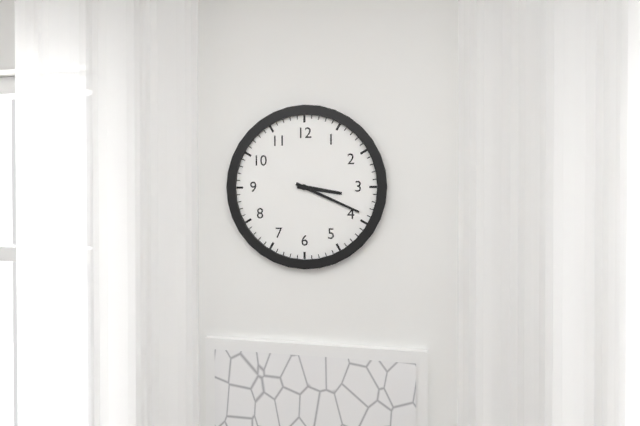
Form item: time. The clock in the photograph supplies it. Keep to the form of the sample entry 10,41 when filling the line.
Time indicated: 3,19
